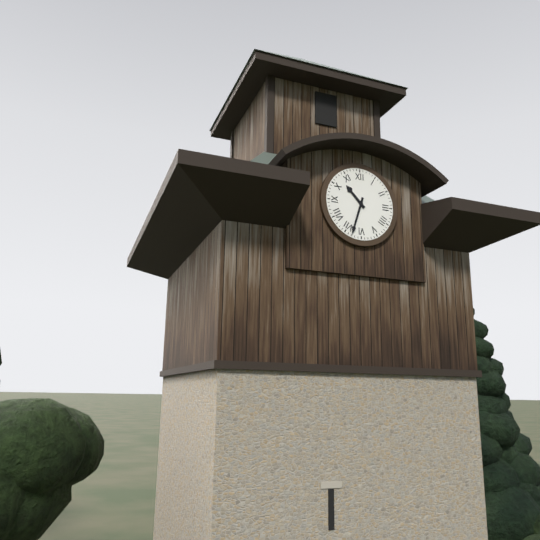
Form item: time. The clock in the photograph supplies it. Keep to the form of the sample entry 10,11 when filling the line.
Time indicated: 10,33
